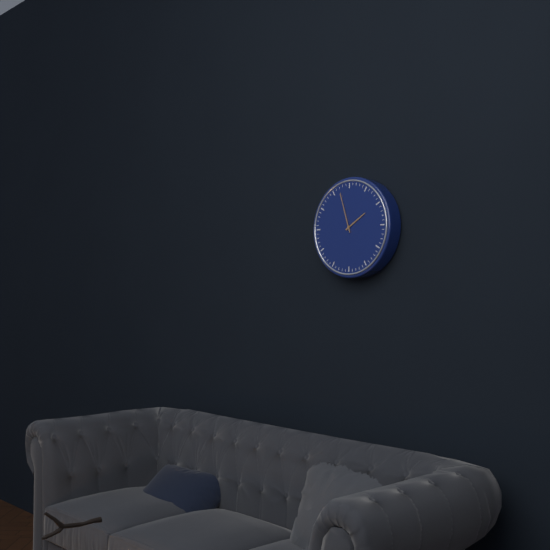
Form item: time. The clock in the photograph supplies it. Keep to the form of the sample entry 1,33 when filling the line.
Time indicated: 1,57
